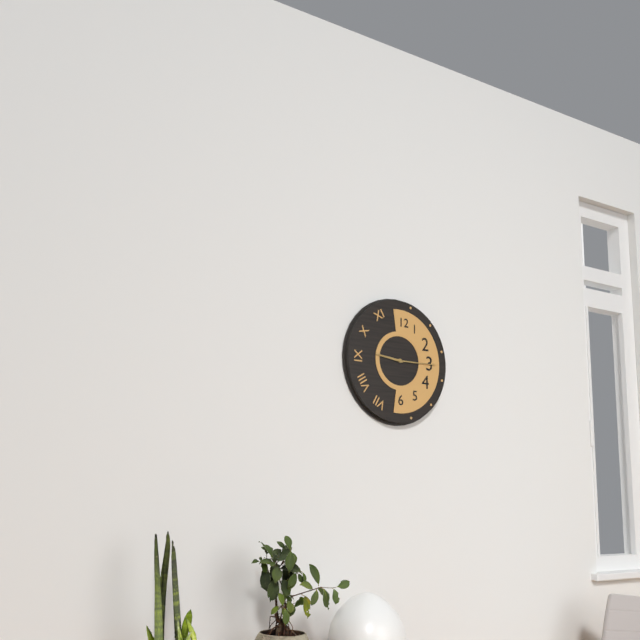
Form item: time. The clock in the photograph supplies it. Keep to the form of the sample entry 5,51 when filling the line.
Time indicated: 9,15
